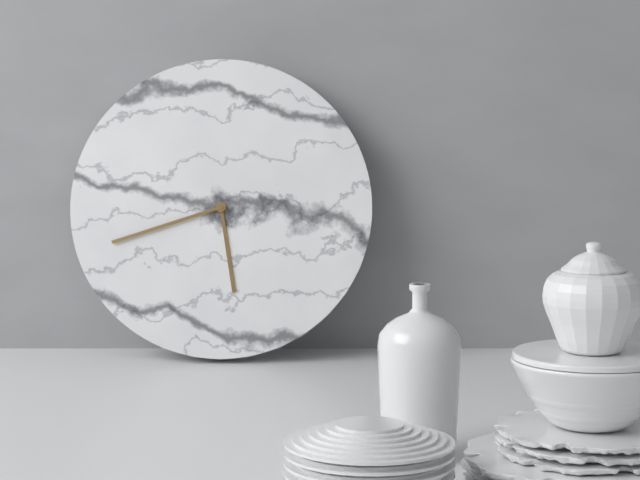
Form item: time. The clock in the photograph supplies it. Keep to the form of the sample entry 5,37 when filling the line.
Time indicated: 5,42
